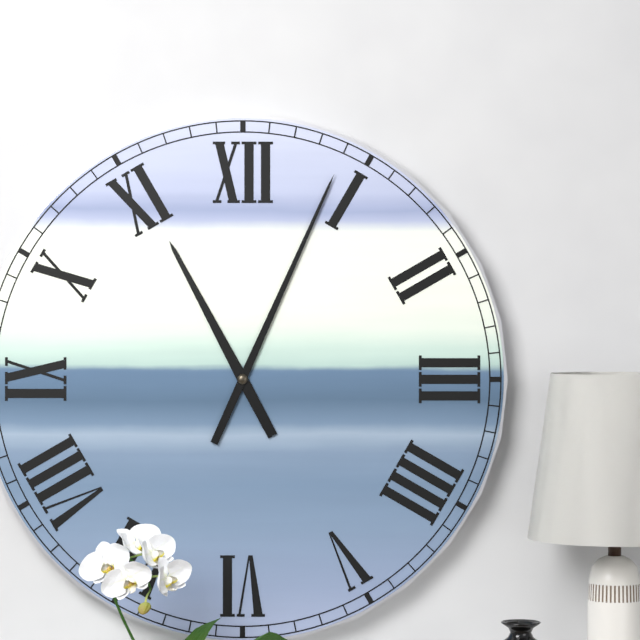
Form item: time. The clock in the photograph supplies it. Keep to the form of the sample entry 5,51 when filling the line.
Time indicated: 11,04
